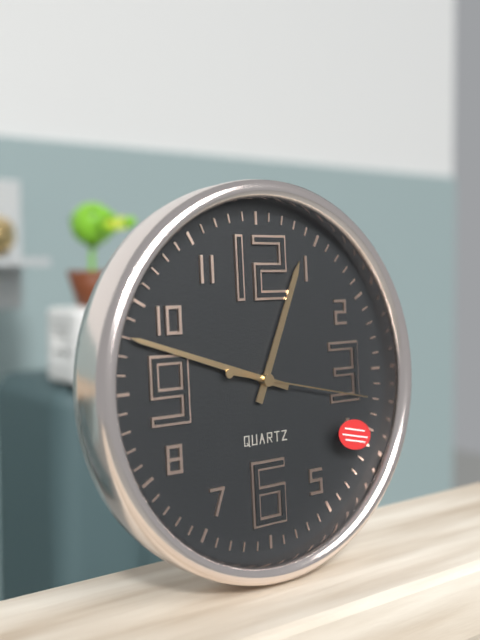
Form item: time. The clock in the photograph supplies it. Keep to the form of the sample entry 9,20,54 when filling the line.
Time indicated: 12,48,17
